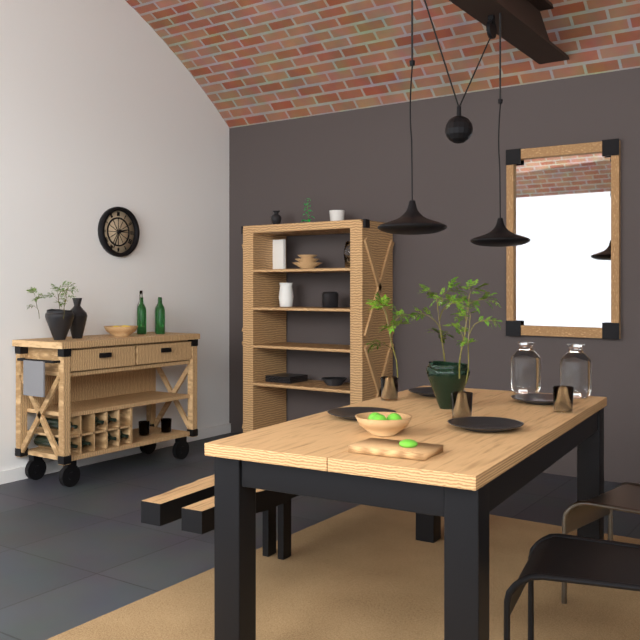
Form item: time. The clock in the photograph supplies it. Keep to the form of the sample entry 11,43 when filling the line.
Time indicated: 2,34
